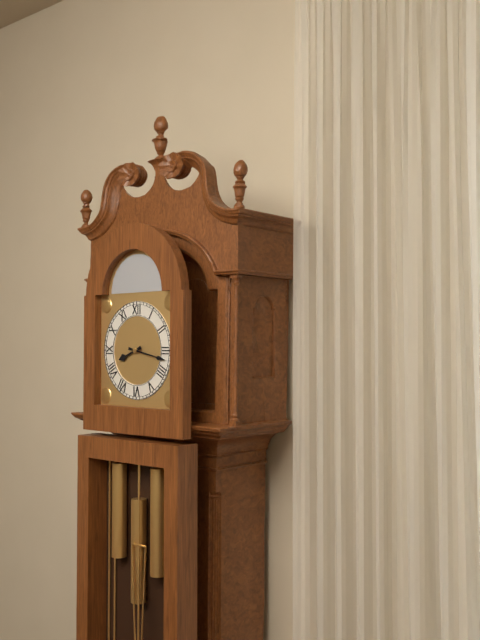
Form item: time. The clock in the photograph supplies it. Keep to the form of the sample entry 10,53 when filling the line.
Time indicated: 8,17
